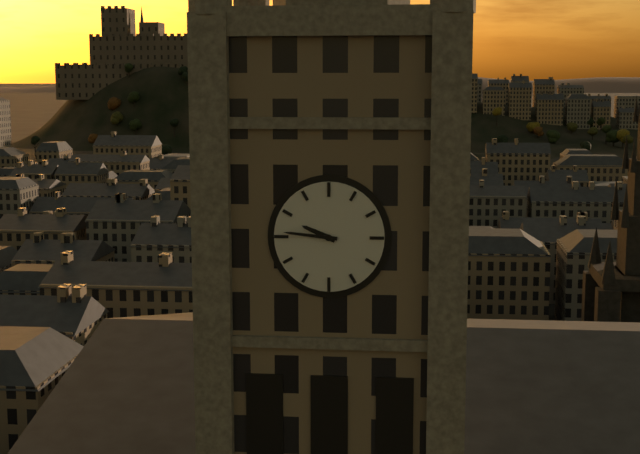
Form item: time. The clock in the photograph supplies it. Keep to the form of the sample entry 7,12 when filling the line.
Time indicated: 9,46
